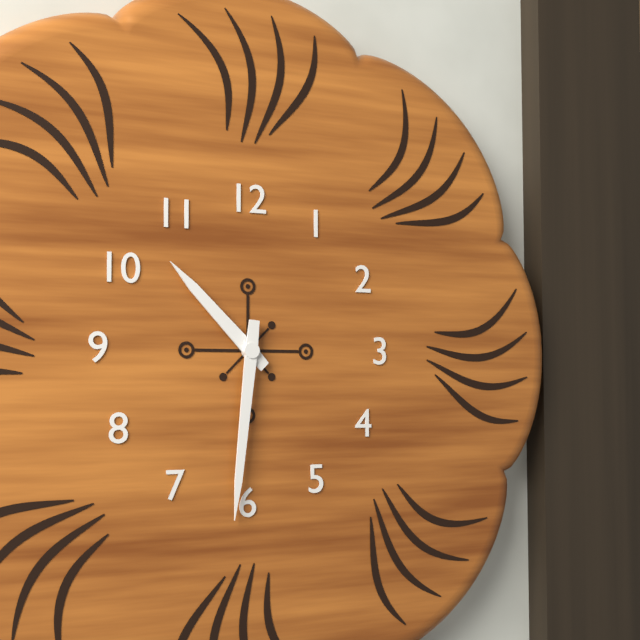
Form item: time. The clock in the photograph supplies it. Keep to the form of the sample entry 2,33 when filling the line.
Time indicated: 10,31
